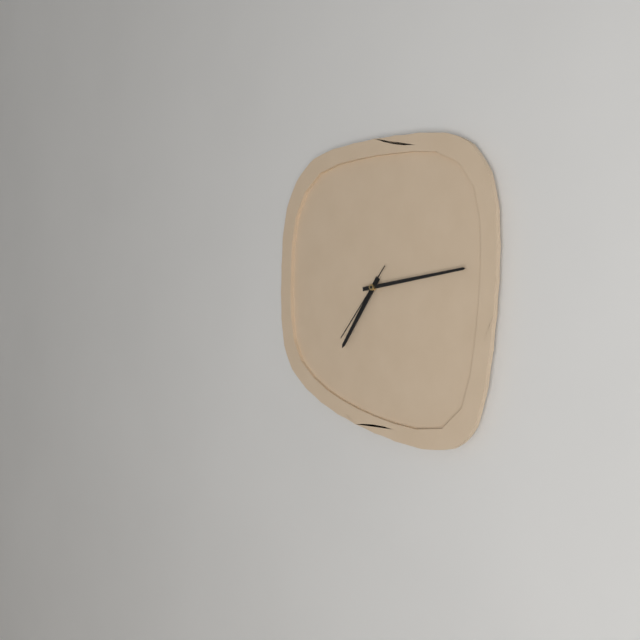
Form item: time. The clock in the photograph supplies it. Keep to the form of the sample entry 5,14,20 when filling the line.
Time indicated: 7,14,37
